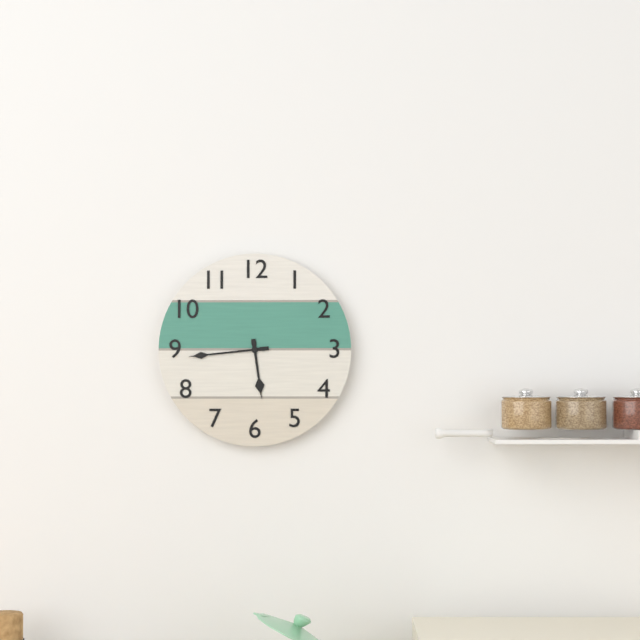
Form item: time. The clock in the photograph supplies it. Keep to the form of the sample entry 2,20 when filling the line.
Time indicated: 5,44
